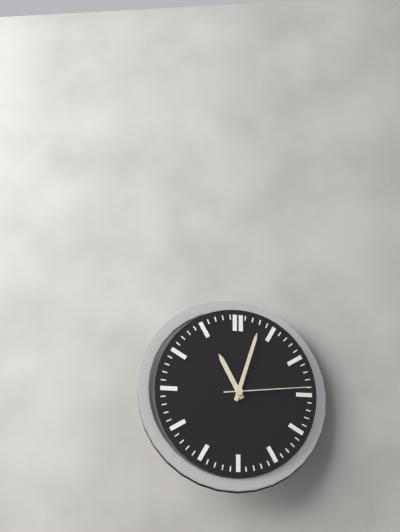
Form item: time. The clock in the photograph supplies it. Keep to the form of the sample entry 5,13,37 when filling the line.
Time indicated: 11,03,14
